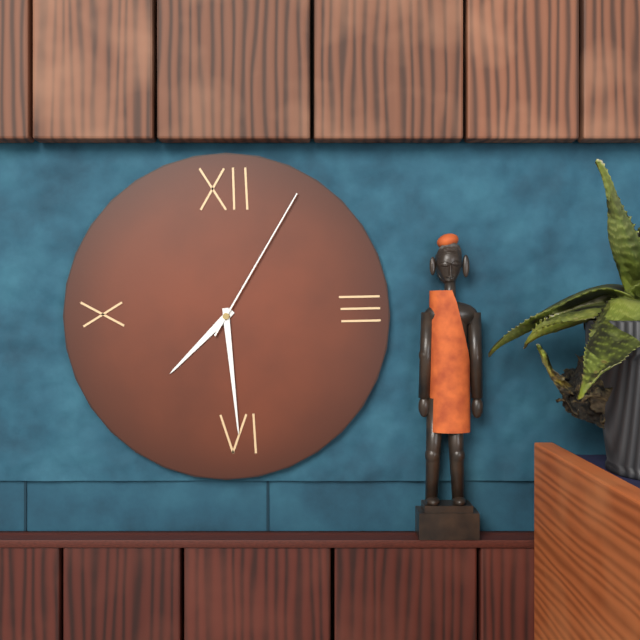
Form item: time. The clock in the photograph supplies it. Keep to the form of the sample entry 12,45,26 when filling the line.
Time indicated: 7,29,05
